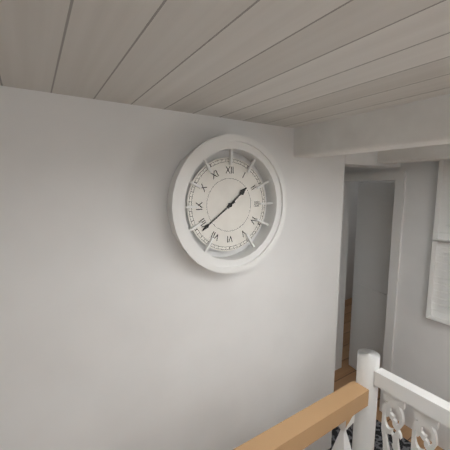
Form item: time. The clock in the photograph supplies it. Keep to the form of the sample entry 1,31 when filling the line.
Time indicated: 1,39
